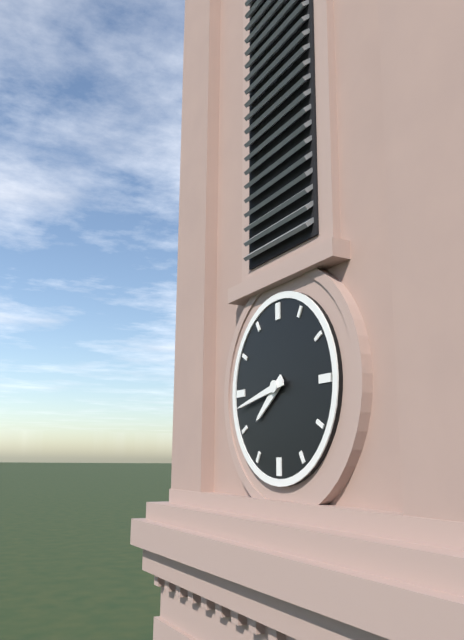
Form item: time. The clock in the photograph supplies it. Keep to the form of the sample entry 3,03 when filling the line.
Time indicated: 7,43
